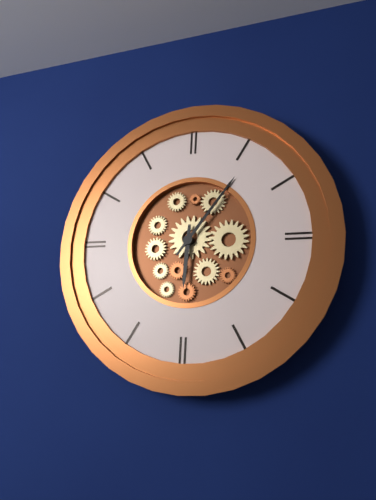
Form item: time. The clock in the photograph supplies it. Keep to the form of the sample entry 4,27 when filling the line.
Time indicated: 6,06
